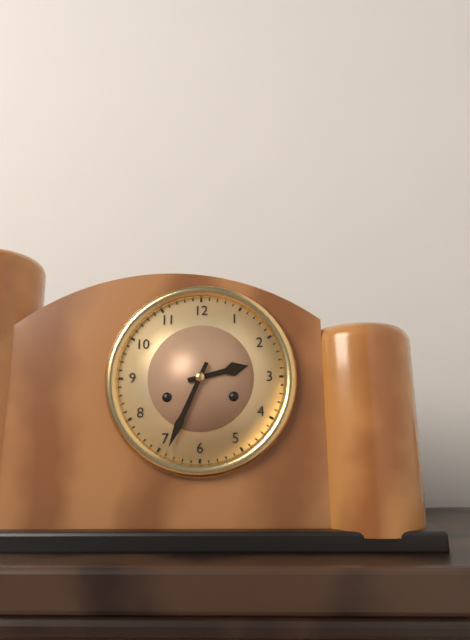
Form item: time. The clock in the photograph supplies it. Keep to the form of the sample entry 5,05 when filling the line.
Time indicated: 2,34
